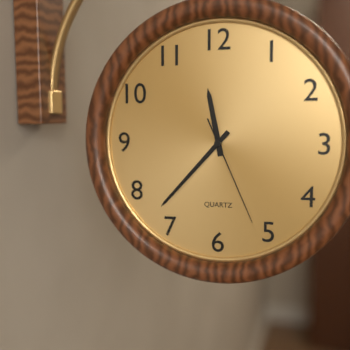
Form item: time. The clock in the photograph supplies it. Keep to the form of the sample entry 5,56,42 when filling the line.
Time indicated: 11,37,26
